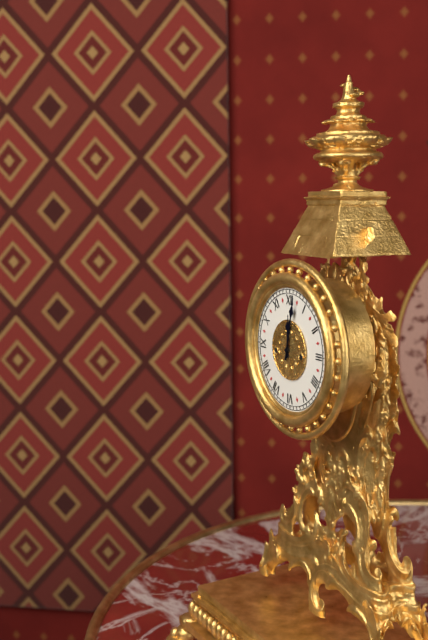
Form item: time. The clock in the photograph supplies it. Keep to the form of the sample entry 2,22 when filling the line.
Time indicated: 12,02
